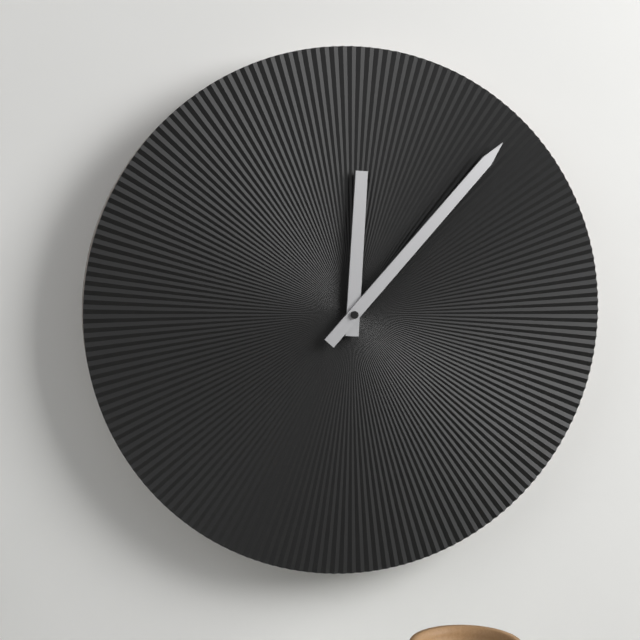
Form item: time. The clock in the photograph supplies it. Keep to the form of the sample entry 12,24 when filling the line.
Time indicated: 12,07
